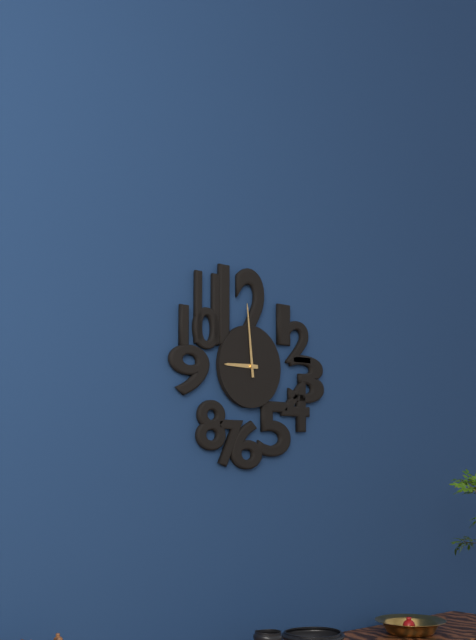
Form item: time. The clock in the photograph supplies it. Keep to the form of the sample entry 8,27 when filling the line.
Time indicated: 8,59
